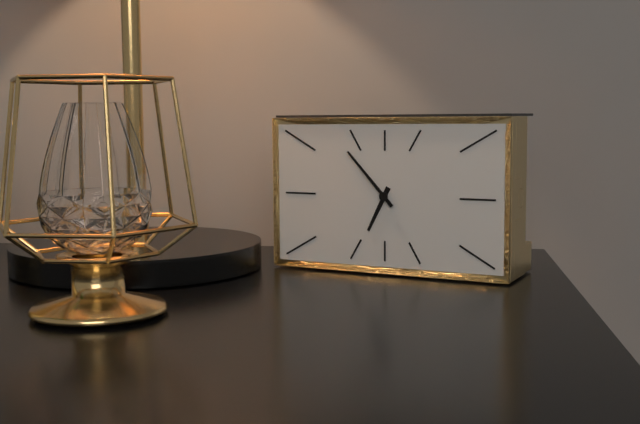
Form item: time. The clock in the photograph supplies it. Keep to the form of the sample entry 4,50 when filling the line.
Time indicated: 6,53
